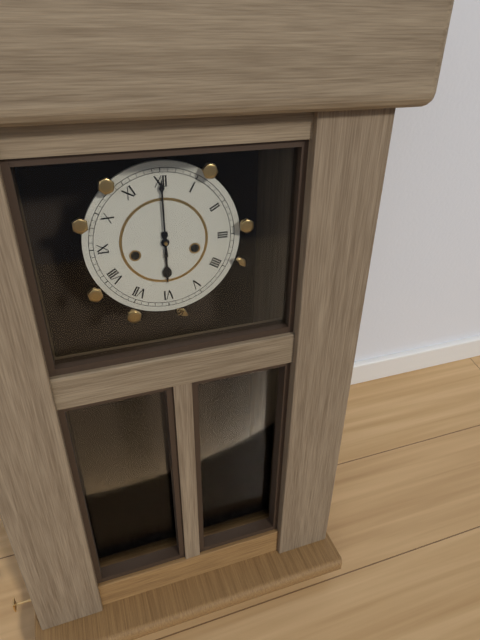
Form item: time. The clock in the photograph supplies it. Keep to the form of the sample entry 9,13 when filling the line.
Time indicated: 6,00
